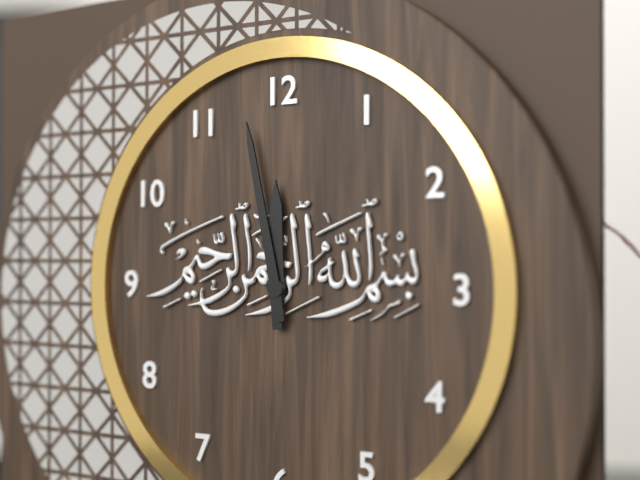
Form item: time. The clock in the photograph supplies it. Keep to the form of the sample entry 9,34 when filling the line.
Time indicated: 11,58
